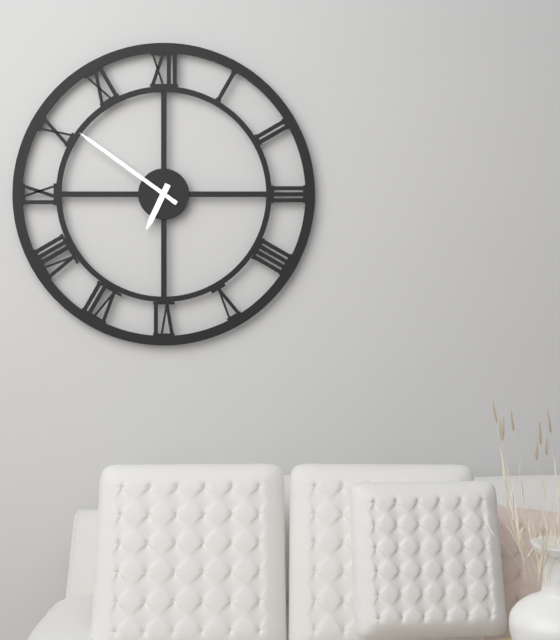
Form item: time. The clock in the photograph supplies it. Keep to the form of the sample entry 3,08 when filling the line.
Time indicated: 6,51
